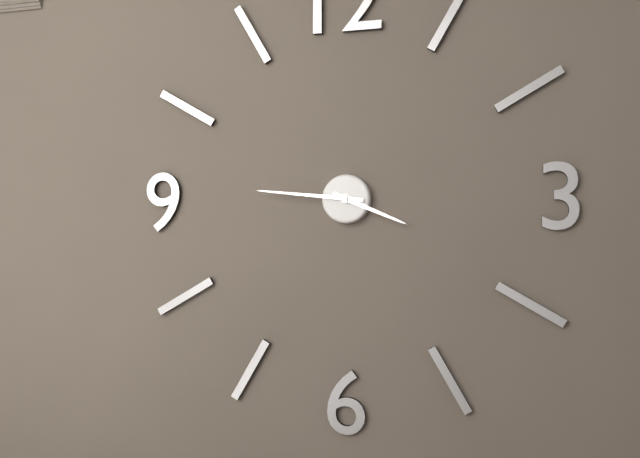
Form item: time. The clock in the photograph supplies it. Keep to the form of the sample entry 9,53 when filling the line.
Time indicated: 3,46
